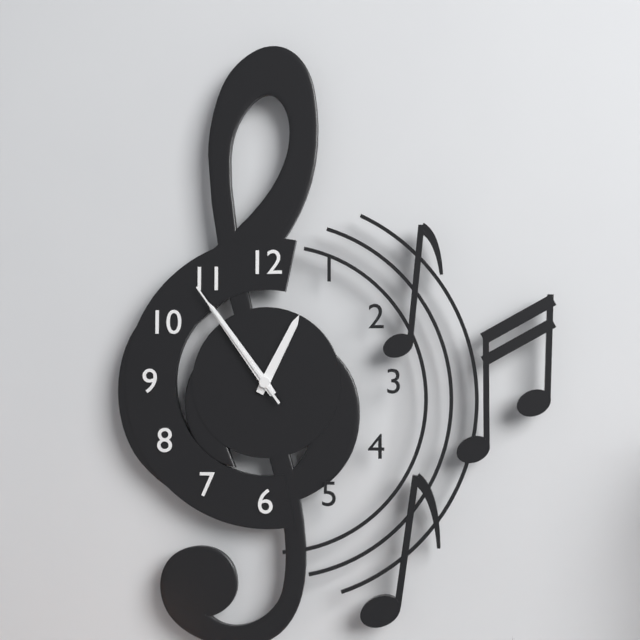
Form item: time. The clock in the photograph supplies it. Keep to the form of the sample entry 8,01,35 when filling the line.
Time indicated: 12,54,54
